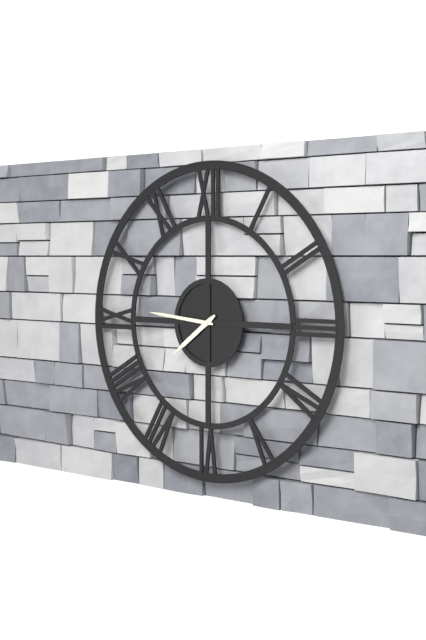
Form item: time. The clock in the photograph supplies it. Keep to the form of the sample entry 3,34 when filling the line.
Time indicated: 7,46
